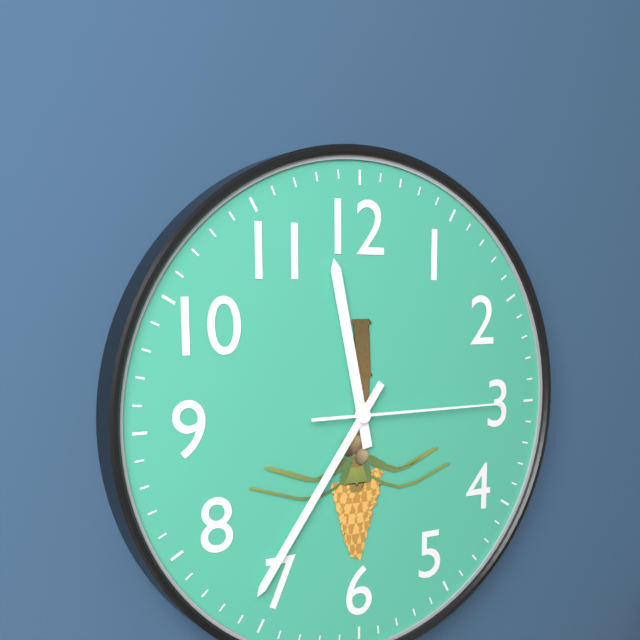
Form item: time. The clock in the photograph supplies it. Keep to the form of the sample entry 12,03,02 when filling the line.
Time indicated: 11,36,15
